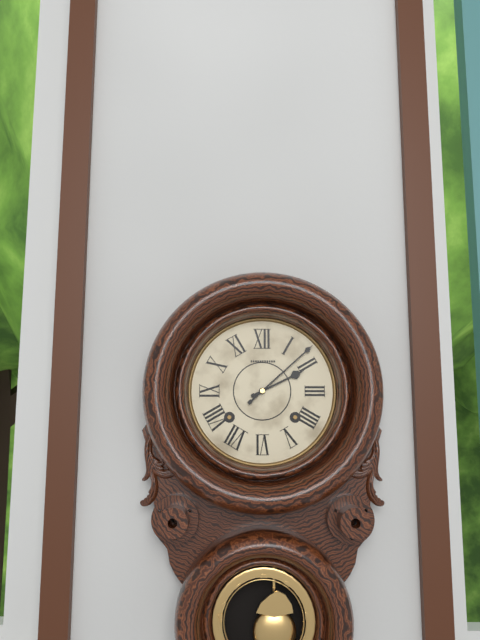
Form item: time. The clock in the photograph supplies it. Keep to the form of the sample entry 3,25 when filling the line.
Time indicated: 2,08
